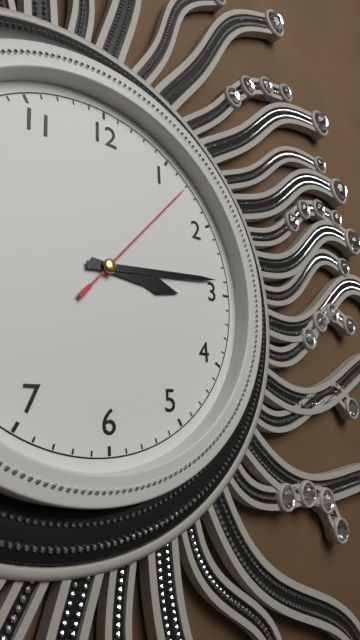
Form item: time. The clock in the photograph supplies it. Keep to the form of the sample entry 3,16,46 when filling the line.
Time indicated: 3,14,07
